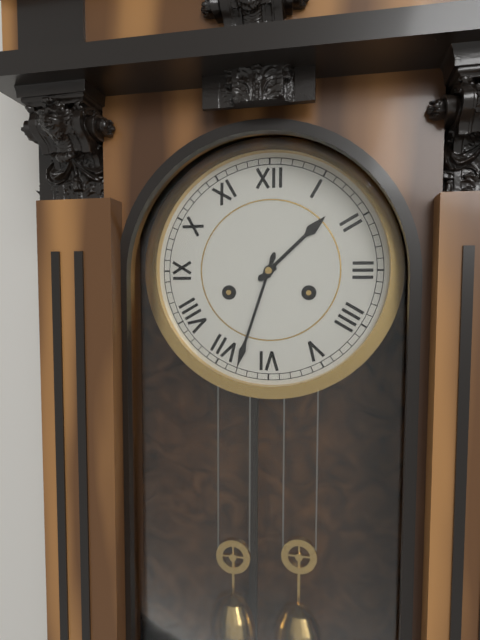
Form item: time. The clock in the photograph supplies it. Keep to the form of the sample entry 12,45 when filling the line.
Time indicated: 1,33
